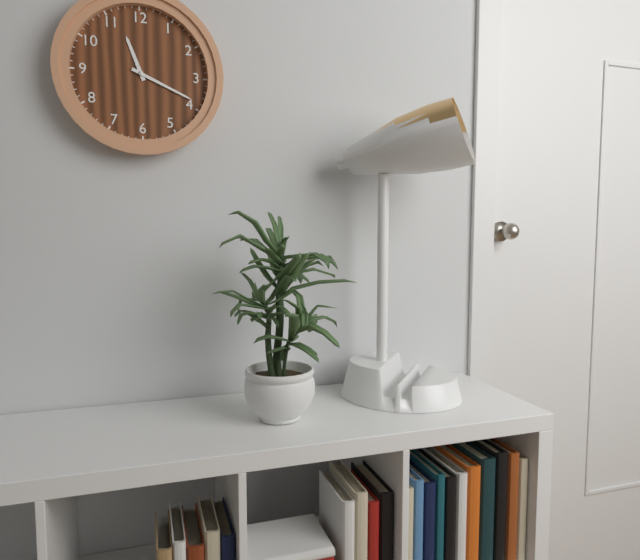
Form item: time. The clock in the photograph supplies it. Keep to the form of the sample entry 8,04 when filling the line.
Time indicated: 11,19
